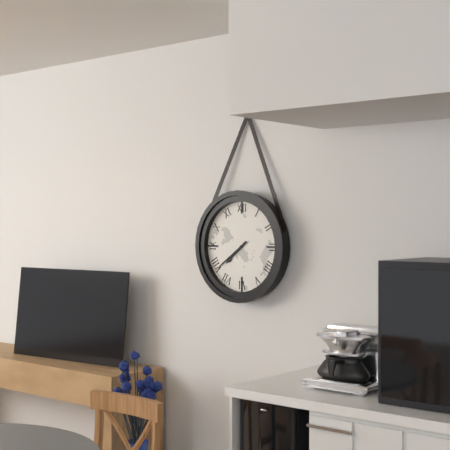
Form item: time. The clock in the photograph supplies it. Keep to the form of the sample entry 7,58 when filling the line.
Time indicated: 7,39
